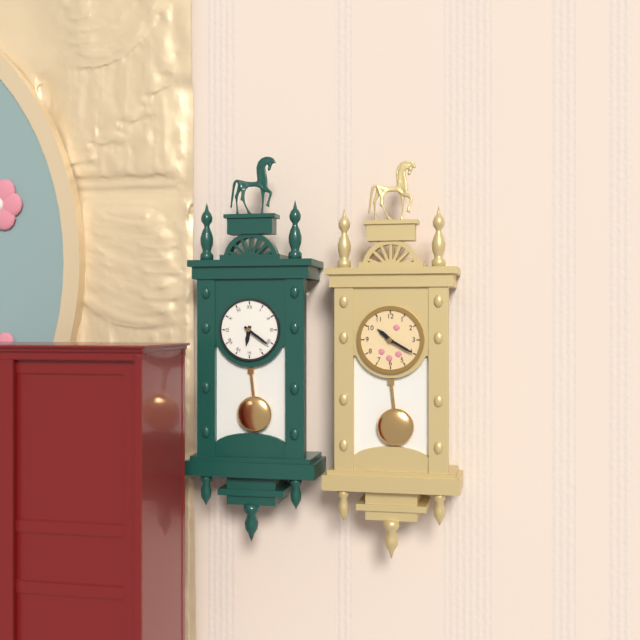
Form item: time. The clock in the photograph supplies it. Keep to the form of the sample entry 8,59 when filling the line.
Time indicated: 6,21
